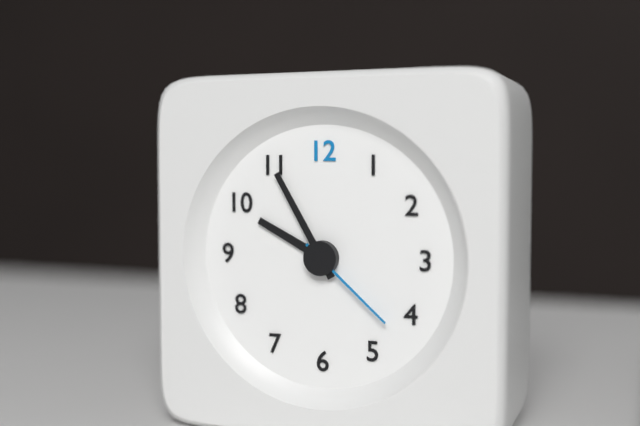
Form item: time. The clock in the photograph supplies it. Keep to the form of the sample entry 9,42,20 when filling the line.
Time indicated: 9,55,22
